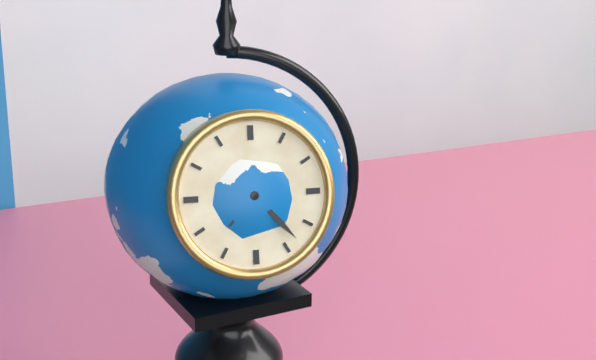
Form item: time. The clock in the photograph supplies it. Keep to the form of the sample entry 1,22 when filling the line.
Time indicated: 7,23
